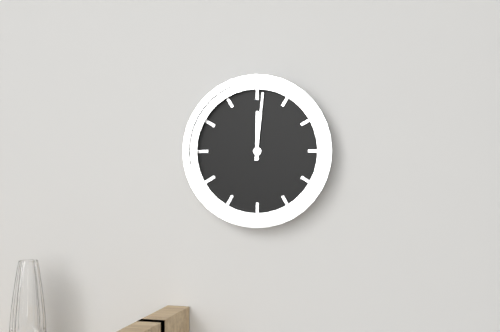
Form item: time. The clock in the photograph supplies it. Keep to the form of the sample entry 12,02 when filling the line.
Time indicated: 12,01
